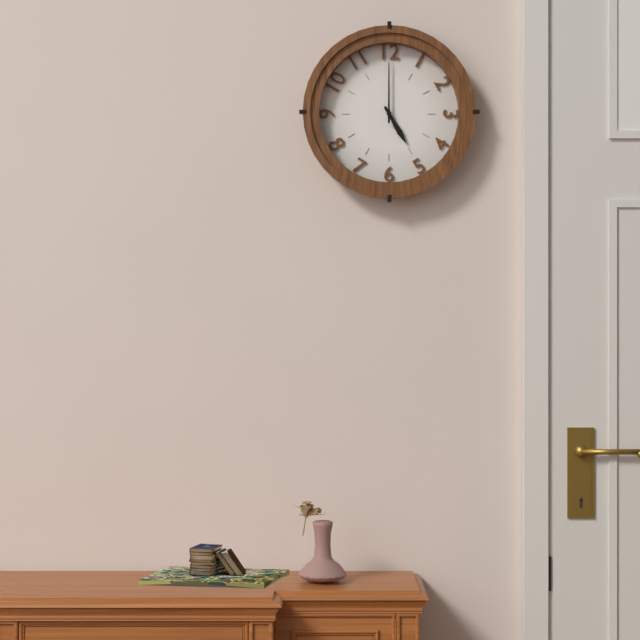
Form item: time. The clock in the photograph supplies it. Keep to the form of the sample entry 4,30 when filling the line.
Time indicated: 5,00
